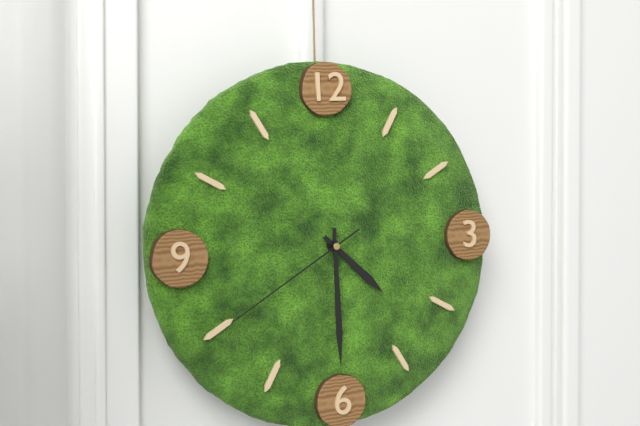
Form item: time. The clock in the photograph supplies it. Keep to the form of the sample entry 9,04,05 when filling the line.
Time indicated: 4,30,40
